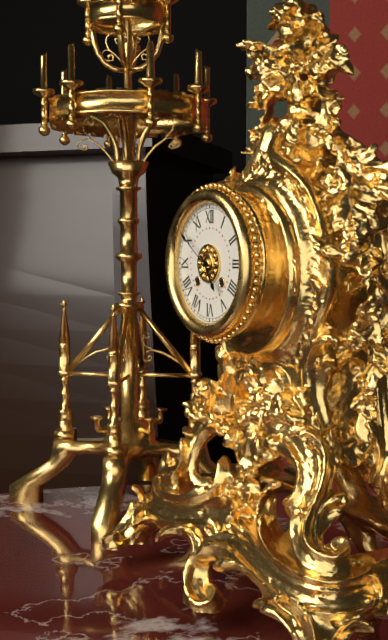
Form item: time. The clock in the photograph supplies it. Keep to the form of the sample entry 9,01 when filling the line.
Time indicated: 4,51
